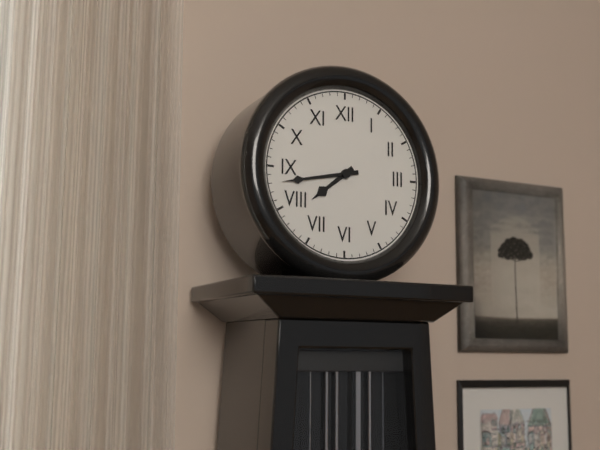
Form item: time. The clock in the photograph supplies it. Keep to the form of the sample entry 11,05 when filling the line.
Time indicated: 7,43
